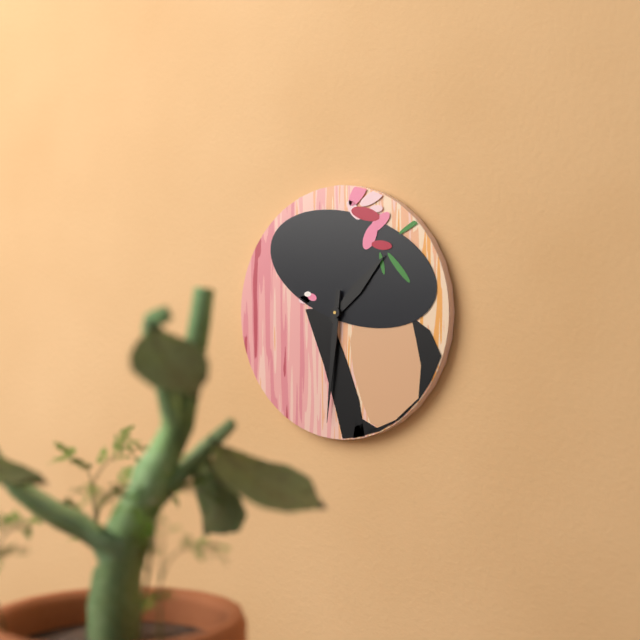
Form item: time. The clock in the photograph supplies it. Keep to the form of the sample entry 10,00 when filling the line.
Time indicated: 1,31
